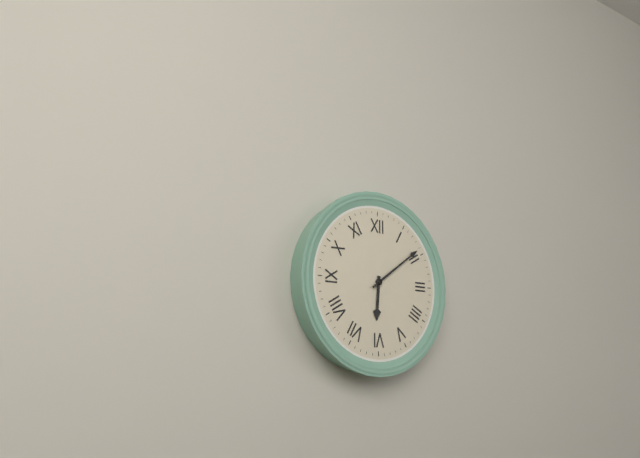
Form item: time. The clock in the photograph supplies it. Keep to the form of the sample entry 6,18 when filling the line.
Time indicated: 6,09
